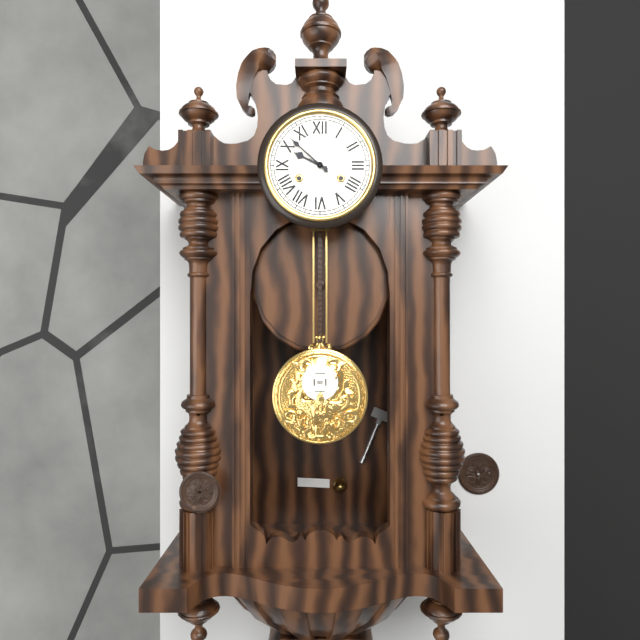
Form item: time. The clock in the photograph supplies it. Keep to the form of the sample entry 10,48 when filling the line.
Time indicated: 9,52
